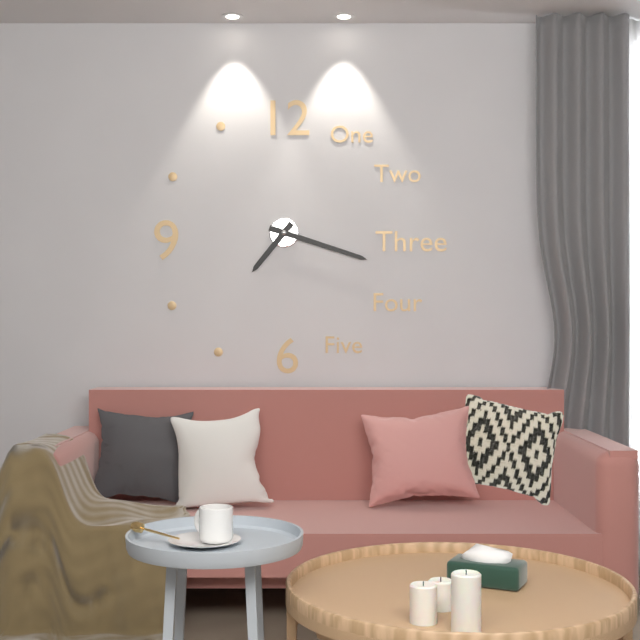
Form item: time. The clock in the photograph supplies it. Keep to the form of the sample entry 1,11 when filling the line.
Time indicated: 7,18
